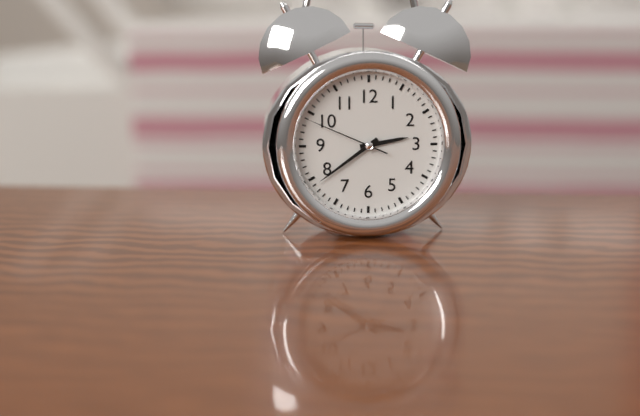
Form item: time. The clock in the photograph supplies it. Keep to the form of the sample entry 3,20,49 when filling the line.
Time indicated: 2,39,49
